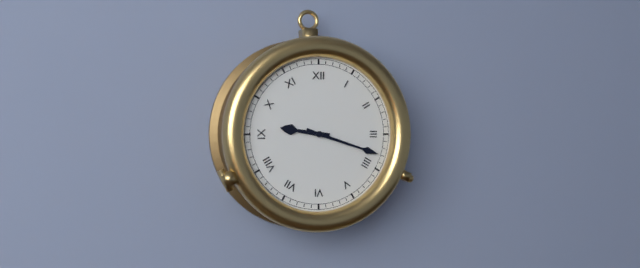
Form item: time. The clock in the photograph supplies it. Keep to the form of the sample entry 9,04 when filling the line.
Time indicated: 9,18
